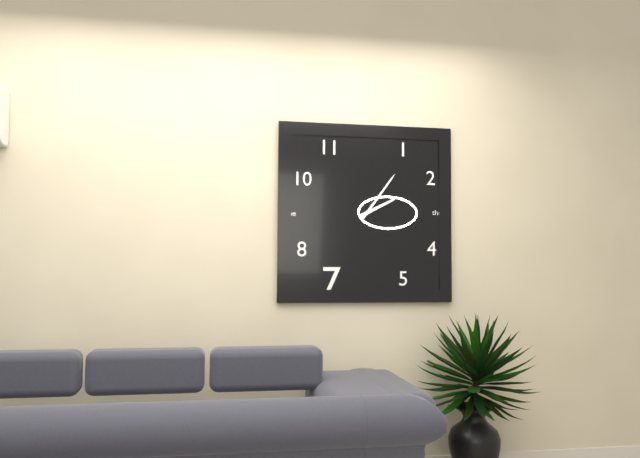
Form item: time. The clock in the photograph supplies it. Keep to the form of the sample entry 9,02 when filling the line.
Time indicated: 2,06
